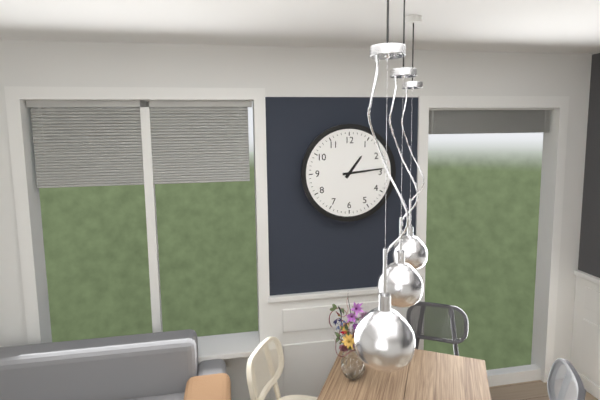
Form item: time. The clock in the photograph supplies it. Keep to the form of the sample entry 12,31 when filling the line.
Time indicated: 1,14
